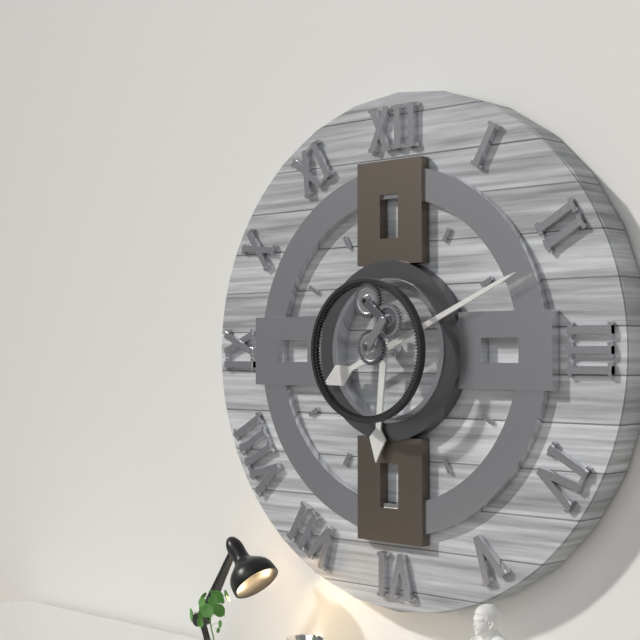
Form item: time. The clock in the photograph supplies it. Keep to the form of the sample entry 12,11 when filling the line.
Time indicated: 6,11
